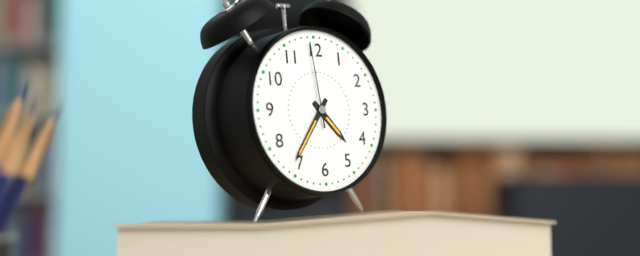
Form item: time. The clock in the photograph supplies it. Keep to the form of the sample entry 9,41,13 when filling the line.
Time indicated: 4,36,59
